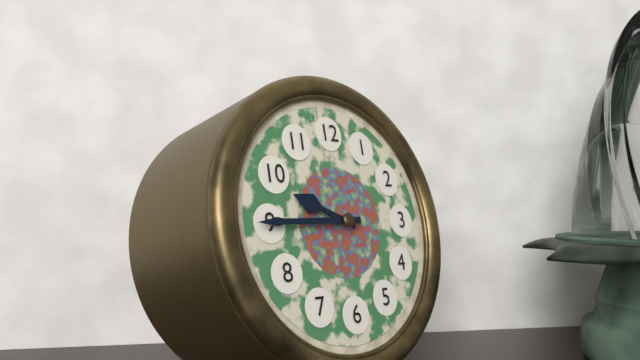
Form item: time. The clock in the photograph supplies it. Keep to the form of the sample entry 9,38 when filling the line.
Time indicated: 9,45
